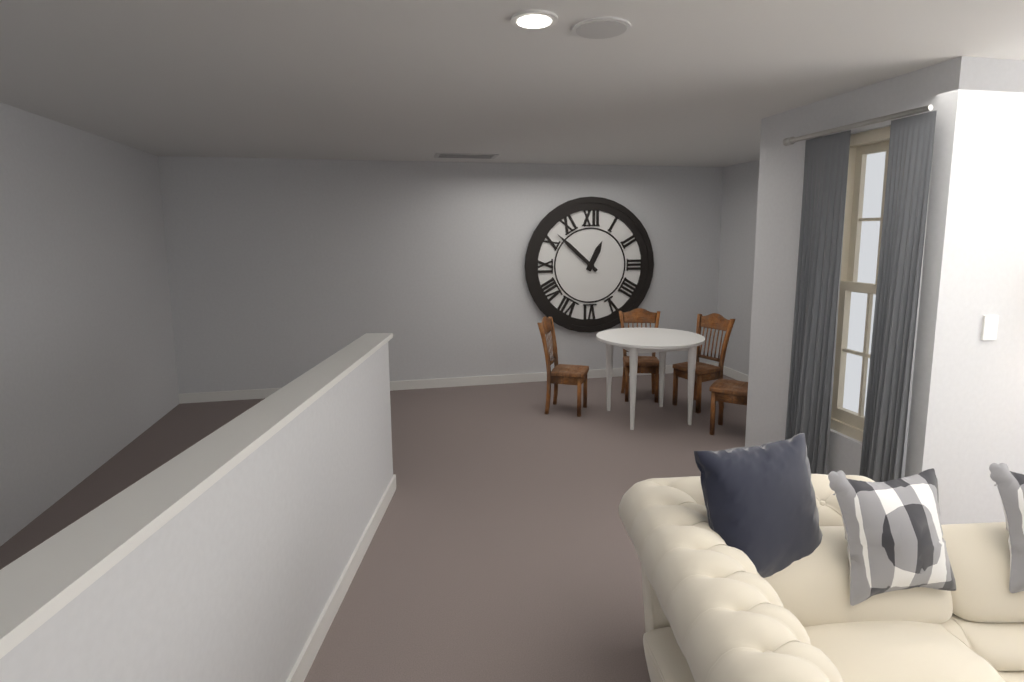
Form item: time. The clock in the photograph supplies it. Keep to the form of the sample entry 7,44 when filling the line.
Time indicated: 12,52
